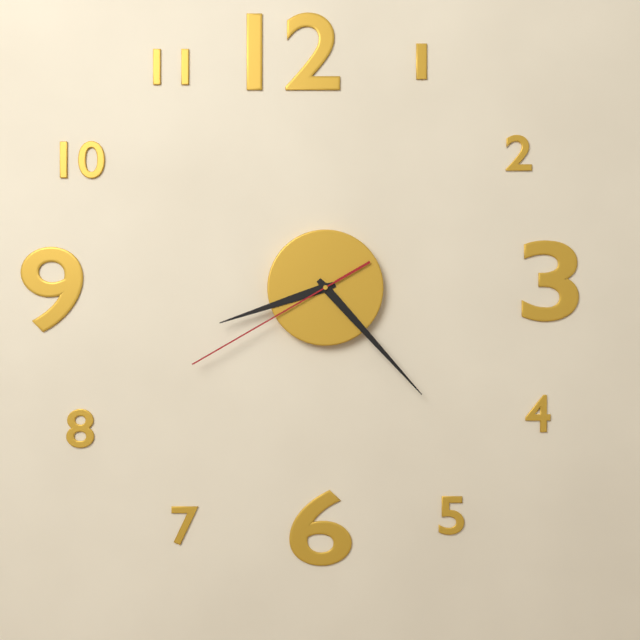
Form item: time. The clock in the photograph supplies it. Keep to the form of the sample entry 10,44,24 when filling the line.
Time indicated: 8,23,40
